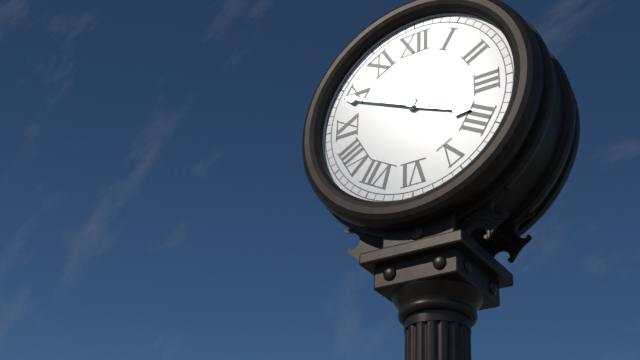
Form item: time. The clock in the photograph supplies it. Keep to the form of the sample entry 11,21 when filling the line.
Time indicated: 3,49
